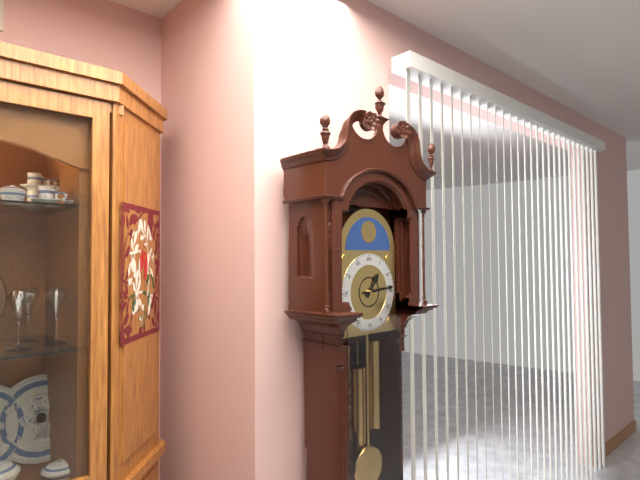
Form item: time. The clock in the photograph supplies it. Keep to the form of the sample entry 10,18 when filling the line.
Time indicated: 1,14
